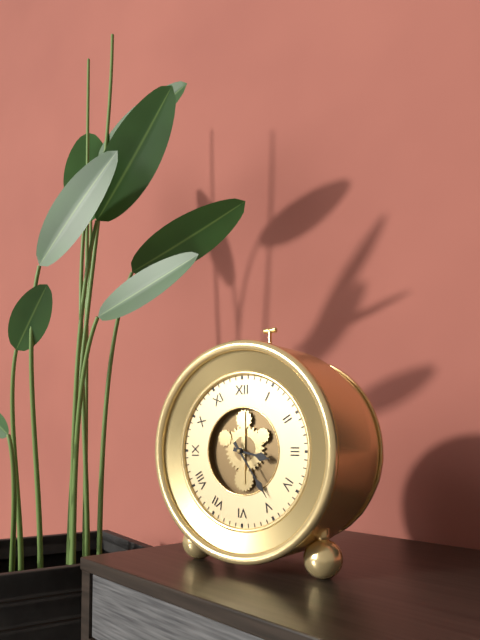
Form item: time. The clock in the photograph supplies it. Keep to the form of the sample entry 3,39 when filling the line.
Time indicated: 3,24
